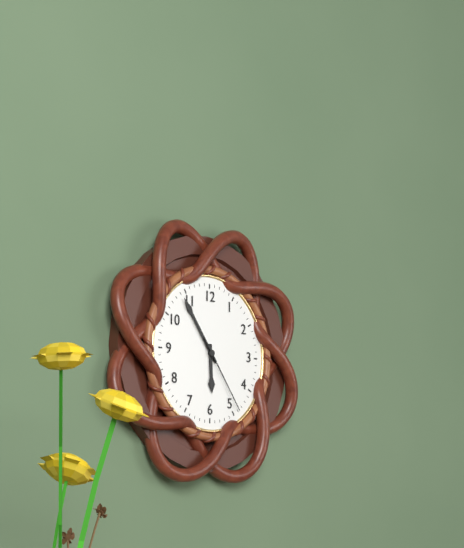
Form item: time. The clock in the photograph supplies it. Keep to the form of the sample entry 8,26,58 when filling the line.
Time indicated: 5,54,24
